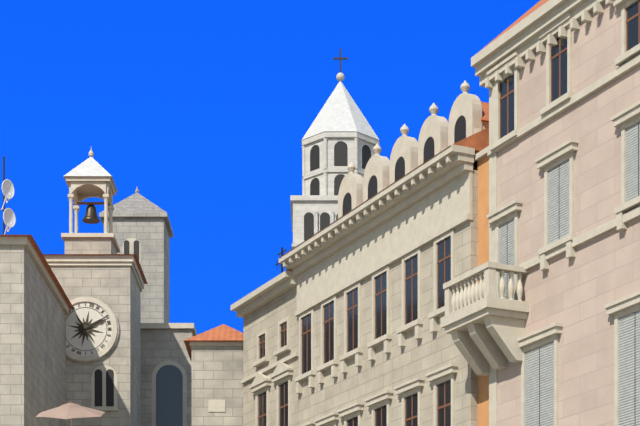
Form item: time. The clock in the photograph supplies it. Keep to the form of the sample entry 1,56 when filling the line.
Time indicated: 2,10
